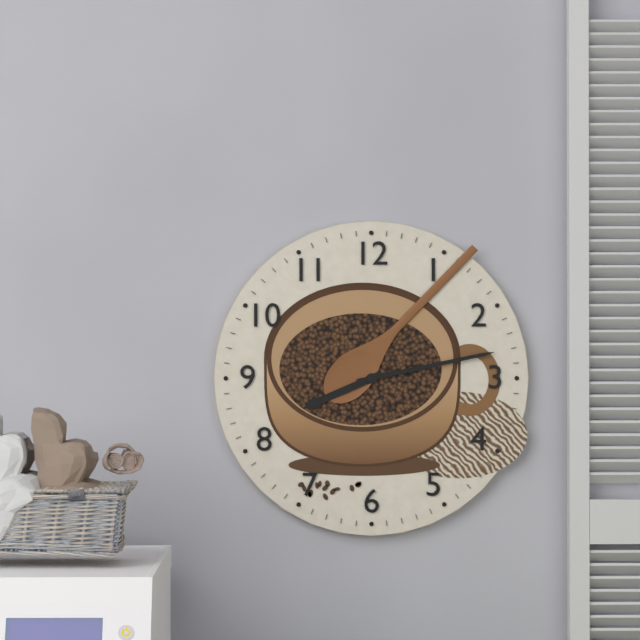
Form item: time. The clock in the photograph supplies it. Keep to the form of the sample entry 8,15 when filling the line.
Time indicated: 8,13
